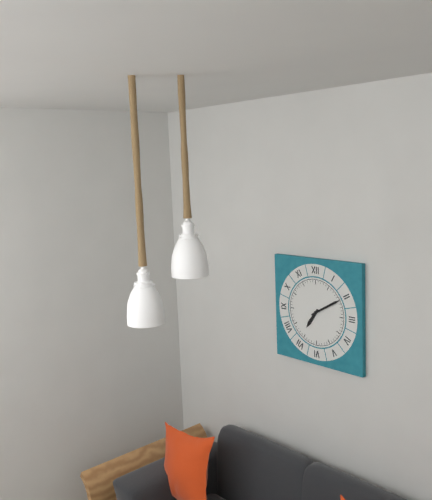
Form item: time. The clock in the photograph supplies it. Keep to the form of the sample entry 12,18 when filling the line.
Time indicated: 7,10
